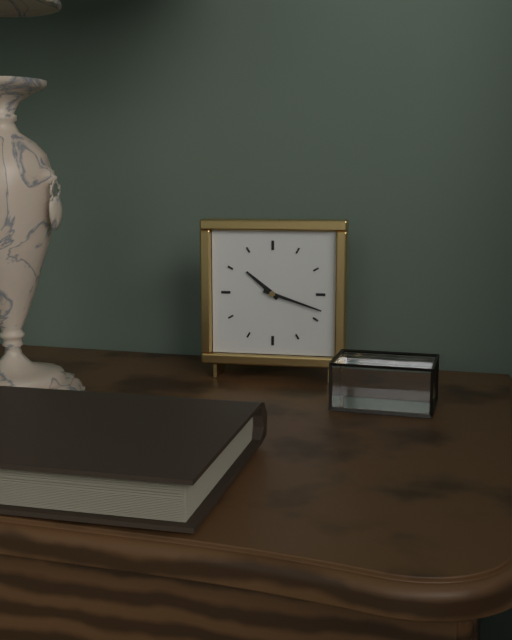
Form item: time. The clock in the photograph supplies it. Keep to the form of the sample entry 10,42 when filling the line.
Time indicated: 10,18
